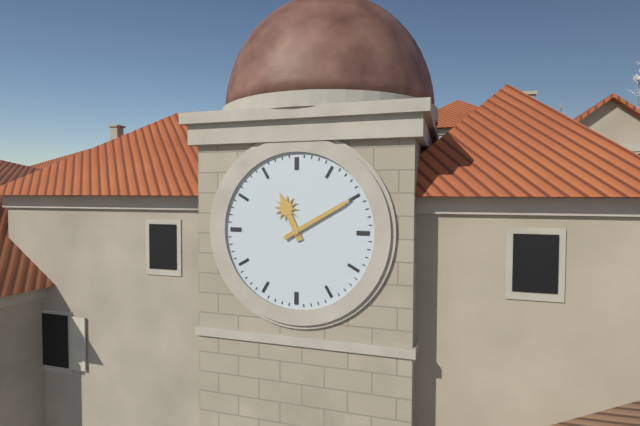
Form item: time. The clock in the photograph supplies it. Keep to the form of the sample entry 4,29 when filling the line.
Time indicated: 11,10
